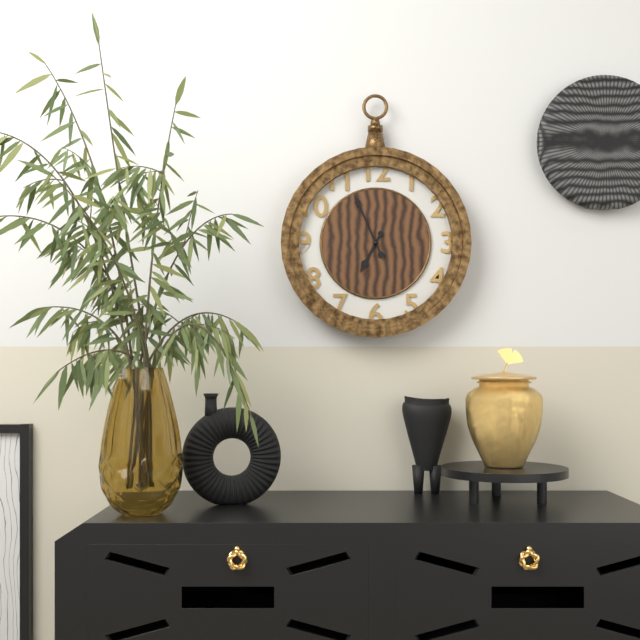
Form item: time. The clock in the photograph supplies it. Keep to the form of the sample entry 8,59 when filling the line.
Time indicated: 6,56
